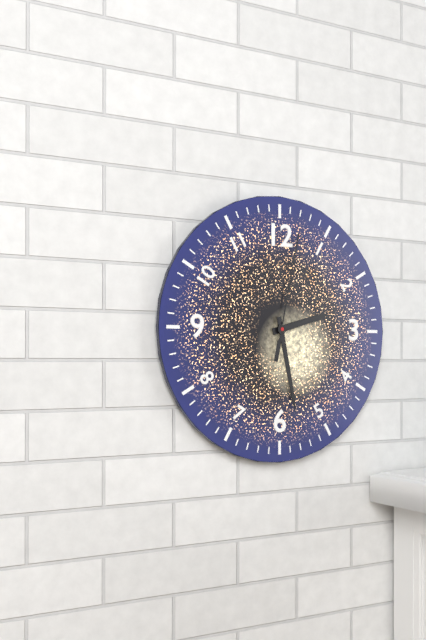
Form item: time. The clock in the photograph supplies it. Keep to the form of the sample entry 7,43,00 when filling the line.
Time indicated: 2,28,02
